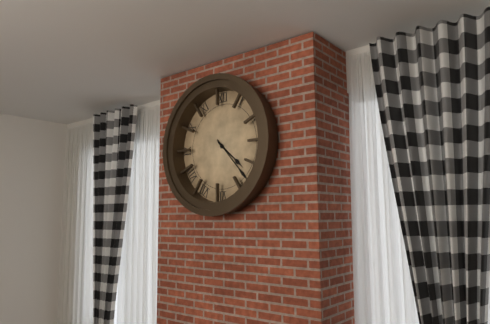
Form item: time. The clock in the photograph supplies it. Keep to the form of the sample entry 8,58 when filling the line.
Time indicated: 4,23
